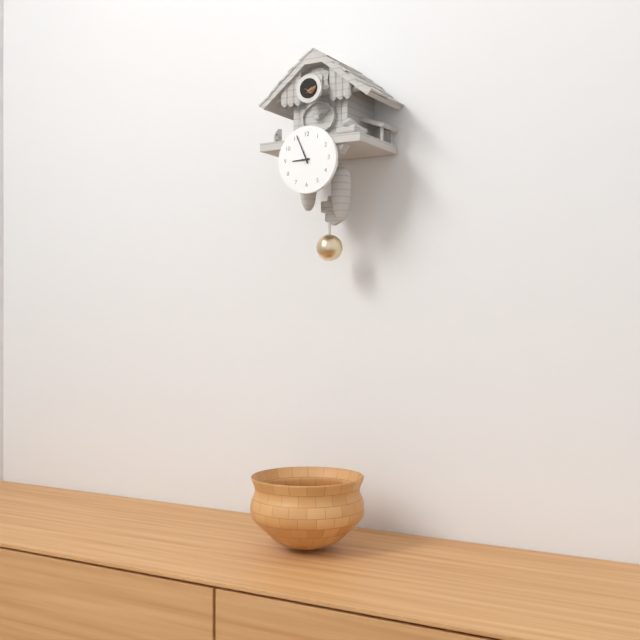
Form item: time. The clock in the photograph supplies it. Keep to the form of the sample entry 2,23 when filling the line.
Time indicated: 8,56
